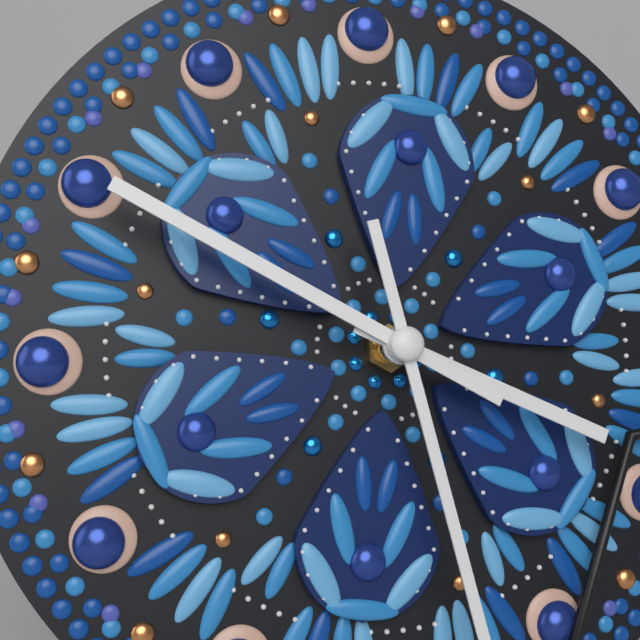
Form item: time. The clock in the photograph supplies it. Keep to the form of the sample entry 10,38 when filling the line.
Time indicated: 3,50
